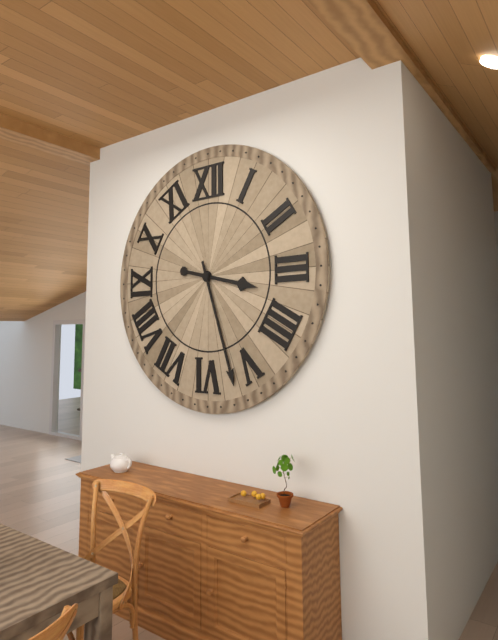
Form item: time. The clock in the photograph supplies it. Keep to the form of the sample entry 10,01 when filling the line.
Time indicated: 3,27
